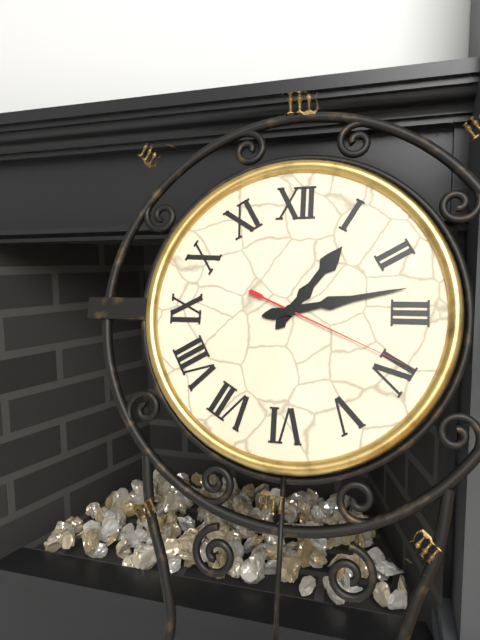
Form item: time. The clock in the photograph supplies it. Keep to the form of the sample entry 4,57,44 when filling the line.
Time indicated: 1,13,19
